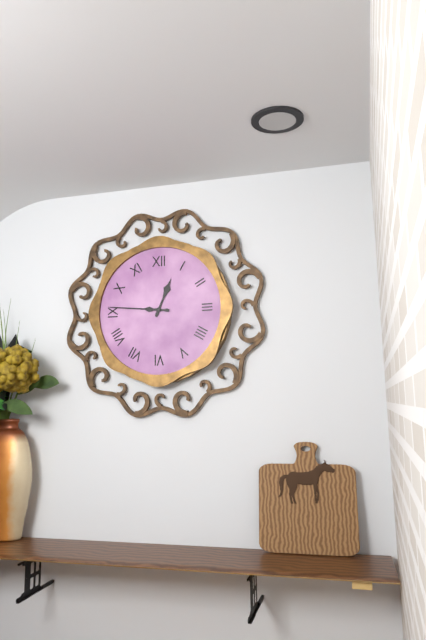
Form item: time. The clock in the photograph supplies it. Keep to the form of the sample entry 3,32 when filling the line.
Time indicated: 12,46
